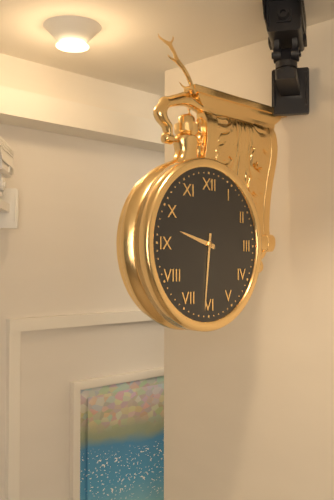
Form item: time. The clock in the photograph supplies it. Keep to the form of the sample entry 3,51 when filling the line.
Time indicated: 9,31
